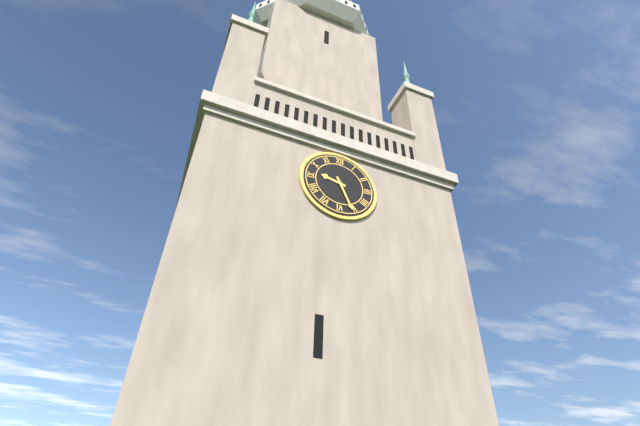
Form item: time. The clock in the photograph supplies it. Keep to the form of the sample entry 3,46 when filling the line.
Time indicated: 9,26
